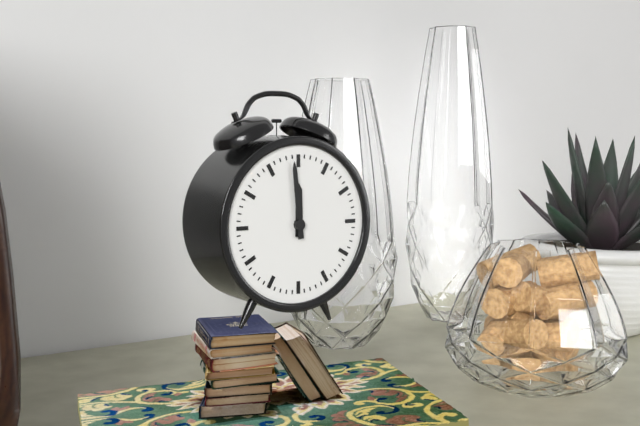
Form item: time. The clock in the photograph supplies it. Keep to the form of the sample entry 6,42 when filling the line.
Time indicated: 11,59
